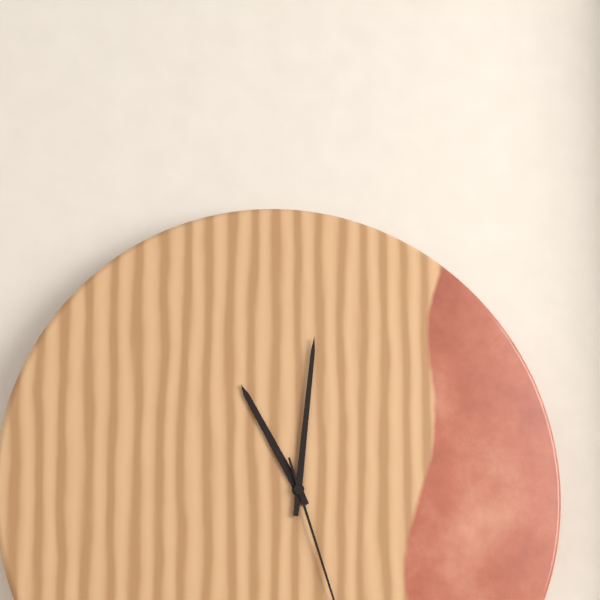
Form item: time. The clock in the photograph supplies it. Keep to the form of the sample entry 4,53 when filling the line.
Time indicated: 11,01
